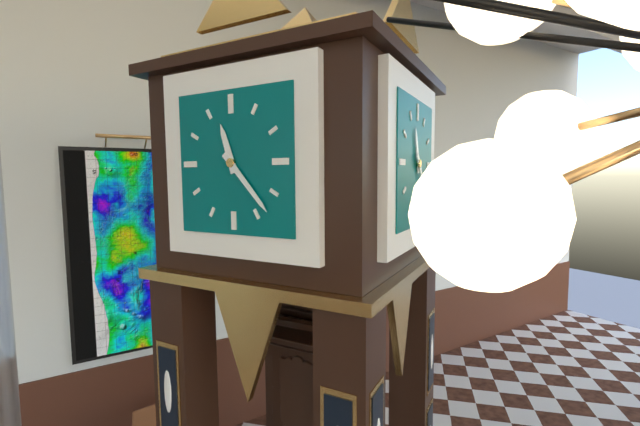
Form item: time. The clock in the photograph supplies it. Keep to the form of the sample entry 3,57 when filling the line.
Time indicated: 11,23
